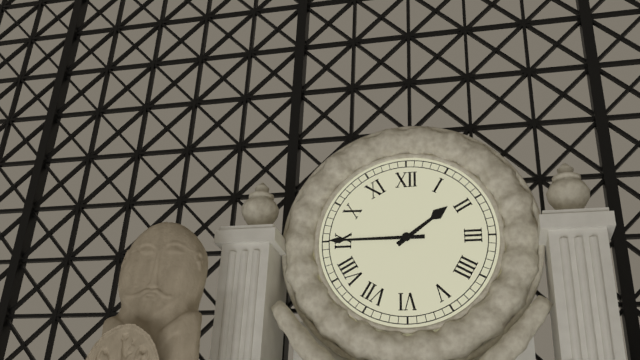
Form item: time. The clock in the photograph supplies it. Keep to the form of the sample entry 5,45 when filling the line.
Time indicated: 1,45
